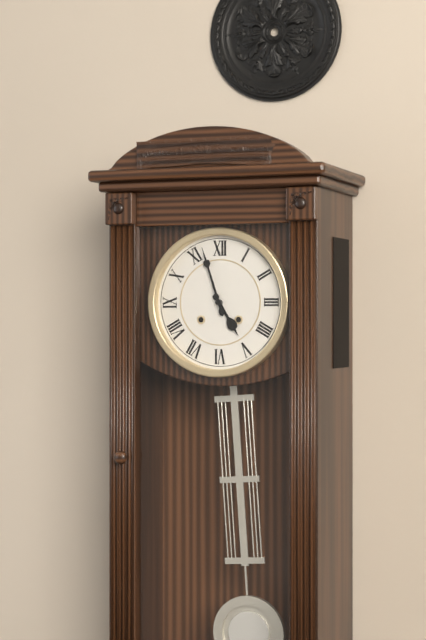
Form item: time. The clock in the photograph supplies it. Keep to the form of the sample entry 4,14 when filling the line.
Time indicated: 4,57
